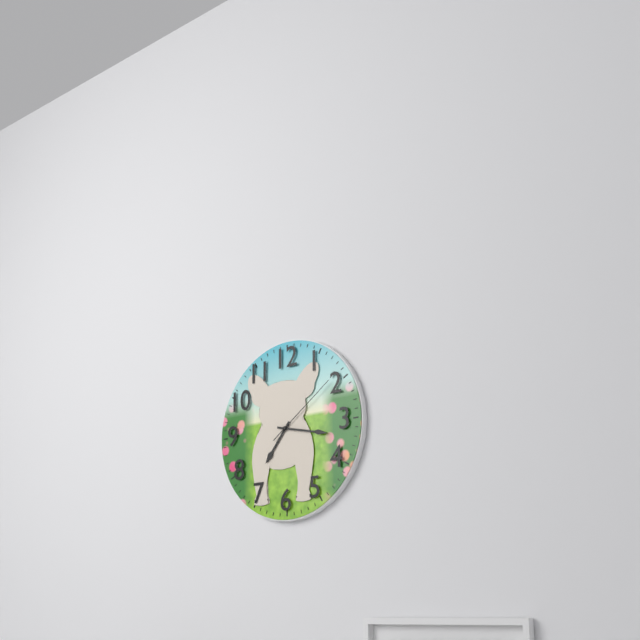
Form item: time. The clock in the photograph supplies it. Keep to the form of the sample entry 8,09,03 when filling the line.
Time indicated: 7,17,09
